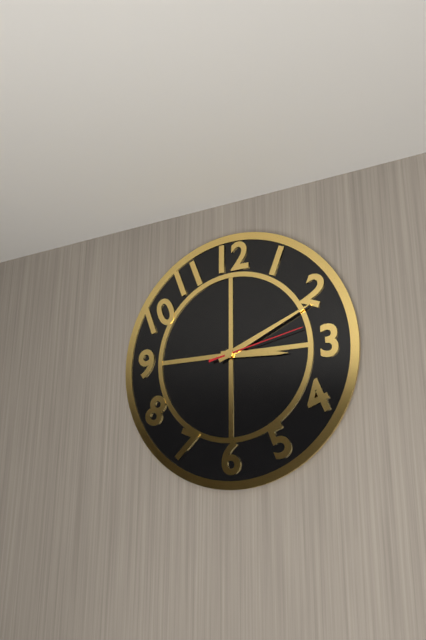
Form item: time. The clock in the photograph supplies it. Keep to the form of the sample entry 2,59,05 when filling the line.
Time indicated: 3,11,13
